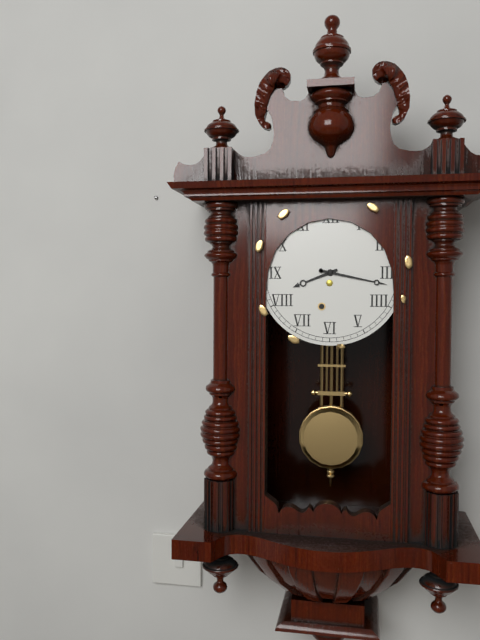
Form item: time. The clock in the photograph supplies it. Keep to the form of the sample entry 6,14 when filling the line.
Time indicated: 8,17
